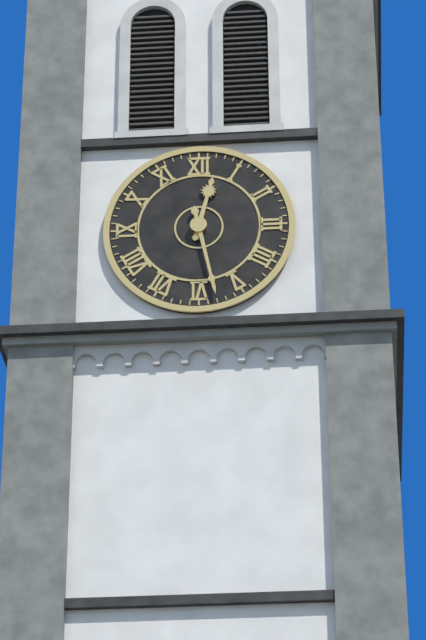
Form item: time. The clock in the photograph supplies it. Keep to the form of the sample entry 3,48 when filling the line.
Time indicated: 12,28
